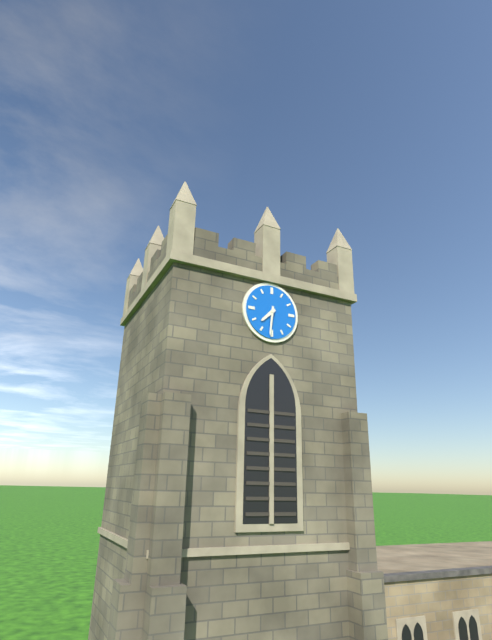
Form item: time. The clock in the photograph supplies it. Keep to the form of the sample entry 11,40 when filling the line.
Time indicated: 7,31
